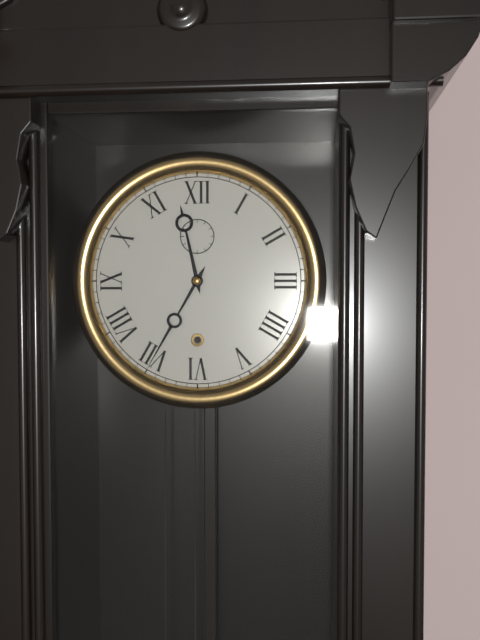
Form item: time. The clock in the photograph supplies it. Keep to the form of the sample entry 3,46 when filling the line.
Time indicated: 11,35
